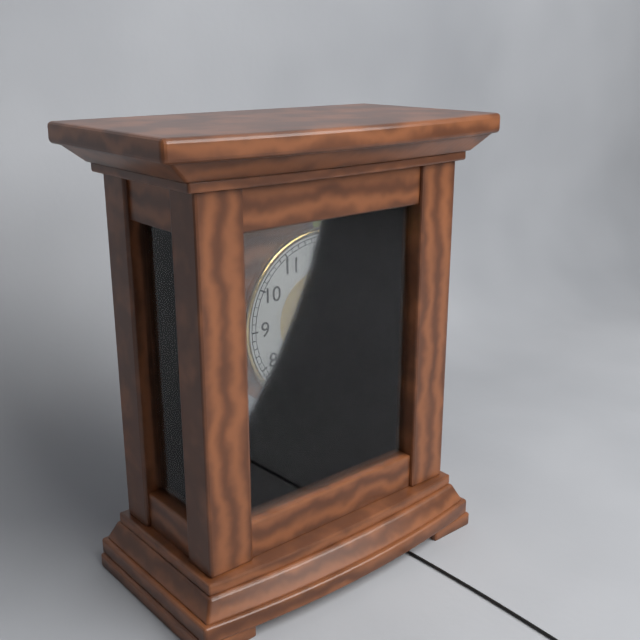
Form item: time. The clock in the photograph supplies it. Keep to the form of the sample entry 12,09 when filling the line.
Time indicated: 8,01
